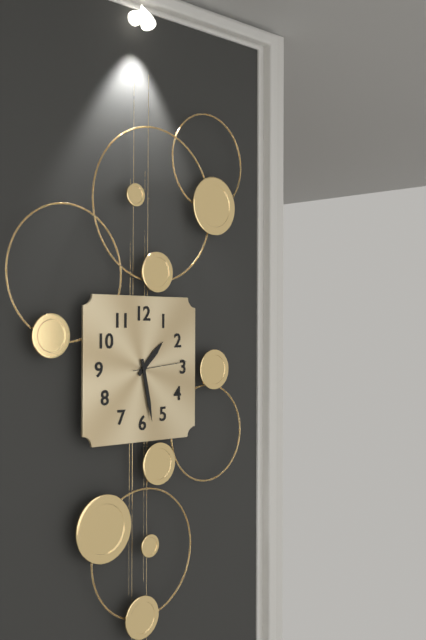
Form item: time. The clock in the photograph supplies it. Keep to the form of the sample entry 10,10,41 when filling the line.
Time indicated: 1,28,14
